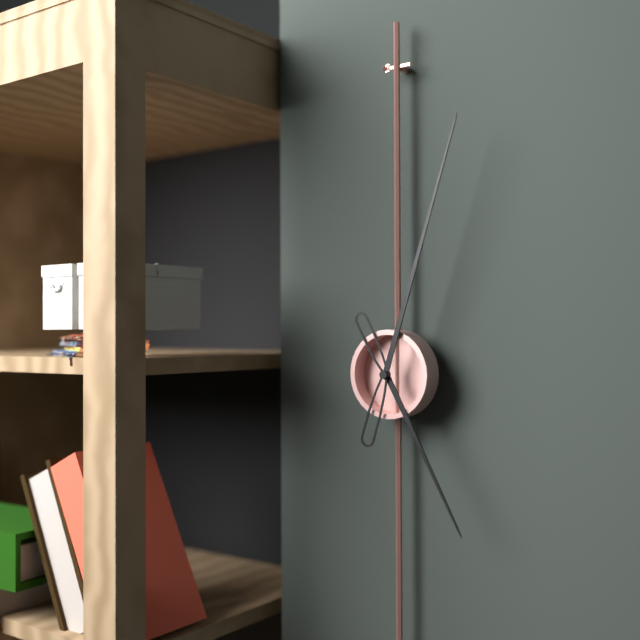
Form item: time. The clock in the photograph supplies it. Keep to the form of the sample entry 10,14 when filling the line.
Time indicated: 5,03
